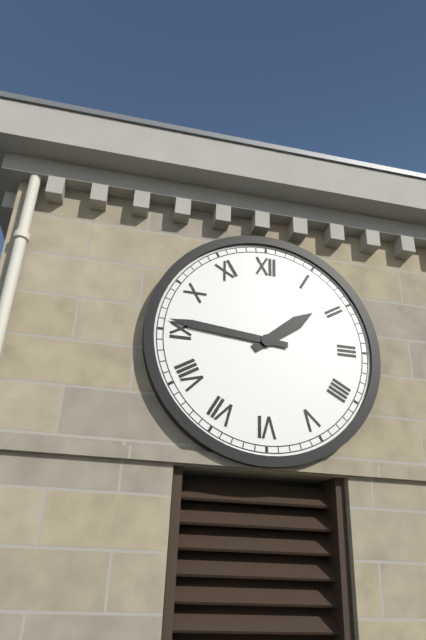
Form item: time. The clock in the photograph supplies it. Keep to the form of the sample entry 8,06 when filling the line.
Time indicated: 1,46
